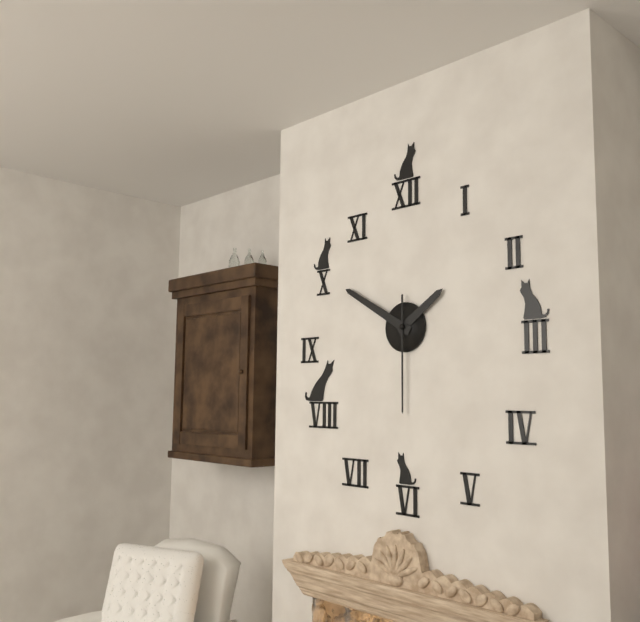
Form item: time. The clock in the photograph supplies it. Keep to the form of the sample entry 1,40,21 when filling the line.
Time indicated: 1,50,30
